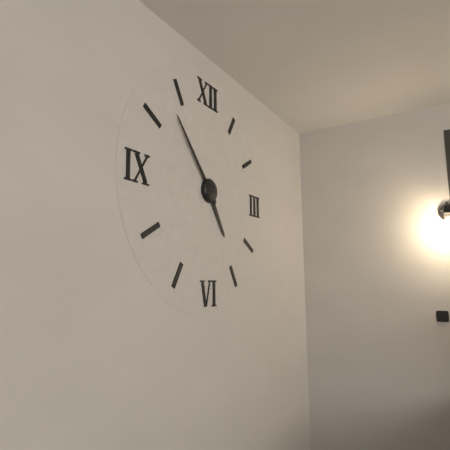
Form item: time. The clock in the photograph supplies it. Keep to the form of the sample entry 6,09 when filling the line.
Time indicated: 4,53
